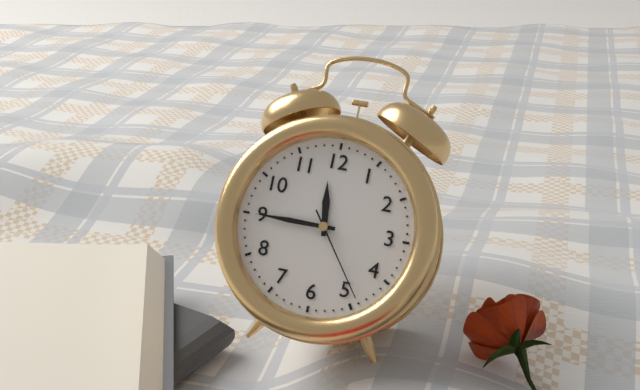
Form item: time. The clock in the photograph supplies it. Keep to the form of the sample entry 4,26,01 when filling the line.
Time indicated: 11,45,24
